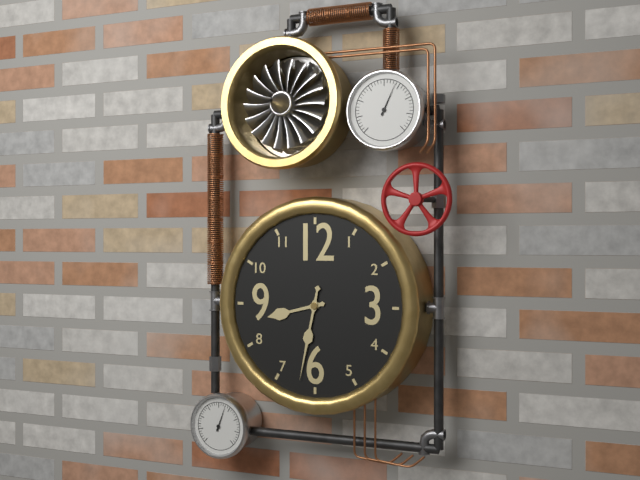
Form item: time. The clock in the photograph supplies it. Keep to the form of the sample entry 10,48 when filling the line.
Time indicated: 8,32
